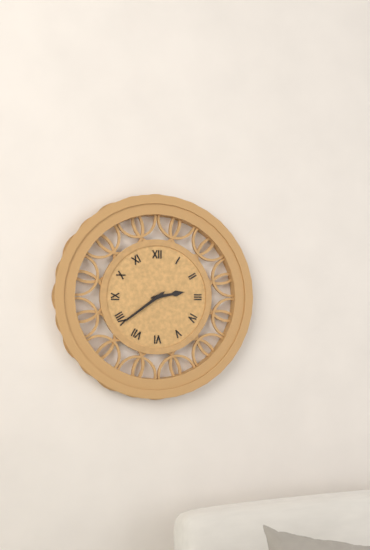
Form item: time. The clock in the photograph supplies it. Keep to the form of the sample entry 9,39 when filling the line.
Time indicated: 2,39
